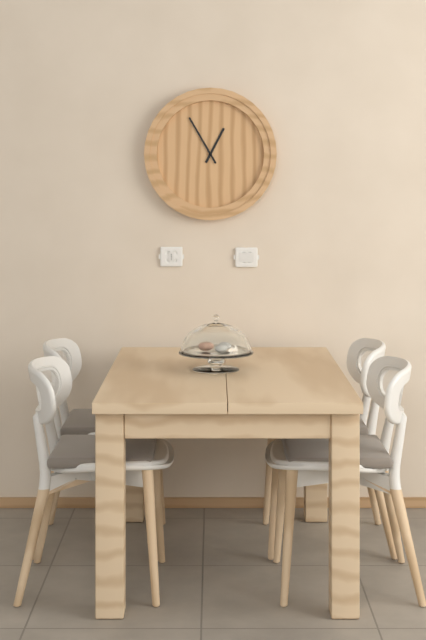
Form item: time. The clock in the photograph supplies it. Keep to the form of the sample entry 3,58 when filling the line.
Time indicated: 12,55
